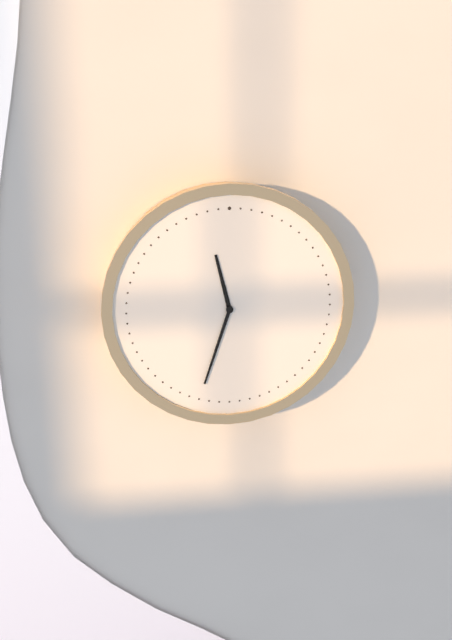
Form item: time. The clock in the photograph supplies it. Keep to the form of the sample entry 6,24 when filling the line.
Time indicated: 11,33
